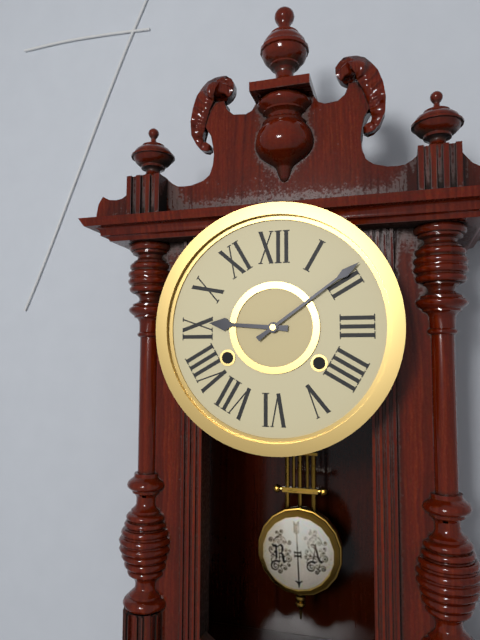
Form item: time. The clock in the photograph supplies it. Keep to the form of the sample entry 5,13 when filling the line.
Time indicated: 9,09
